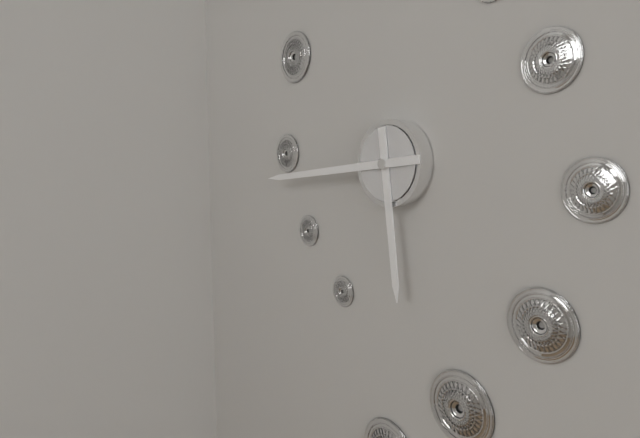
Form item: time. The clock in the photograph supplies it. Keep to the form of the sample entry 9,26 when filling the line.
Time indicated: 5,44
